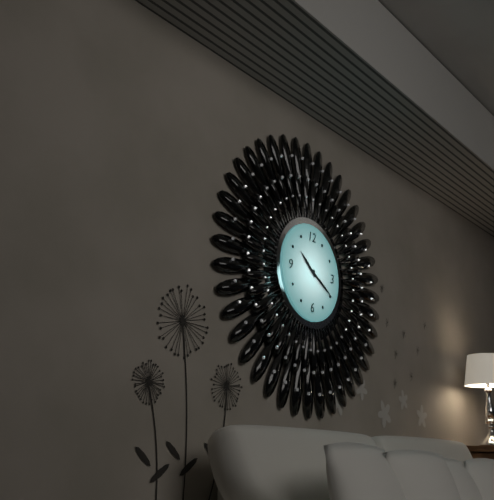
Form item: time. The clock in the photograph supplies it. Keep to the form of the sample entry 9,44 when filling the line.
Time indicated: 10,20
